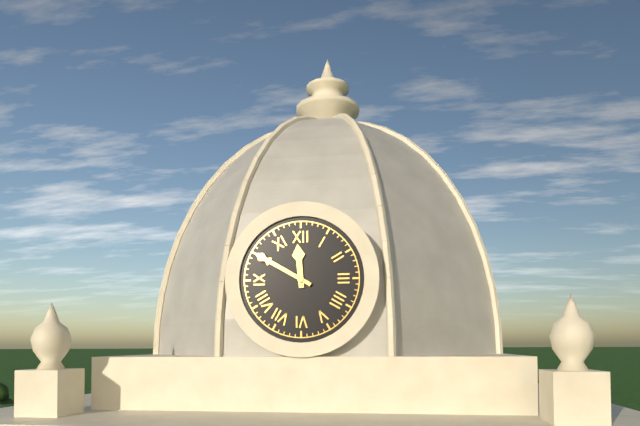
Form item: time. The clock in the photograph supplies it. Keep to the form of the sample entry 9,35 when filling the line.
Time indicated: 11,50
